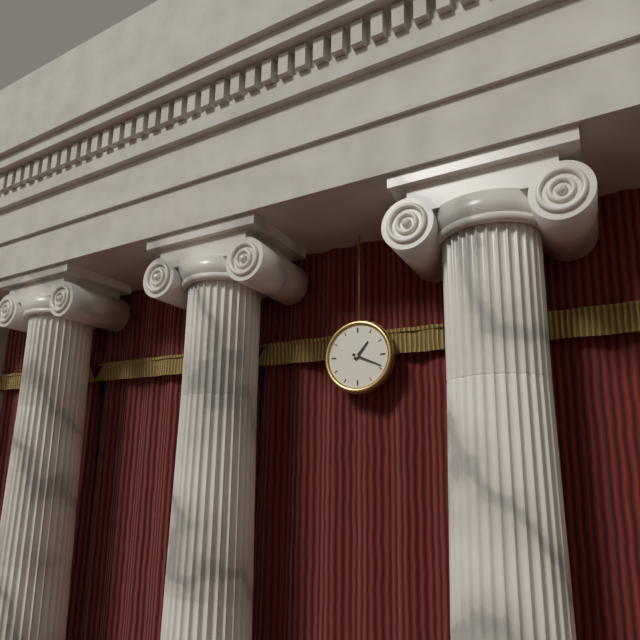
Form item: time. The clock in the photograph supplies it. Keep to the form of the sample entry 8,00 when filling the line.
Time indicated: 1,19
